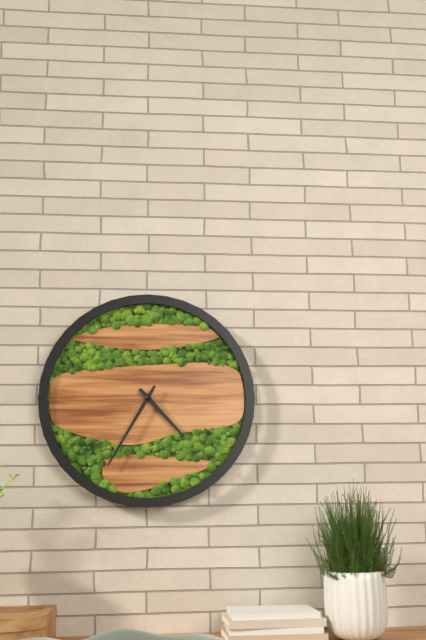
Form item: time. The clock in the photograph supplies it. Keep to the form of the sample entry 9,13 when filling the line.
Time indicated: 4,35
